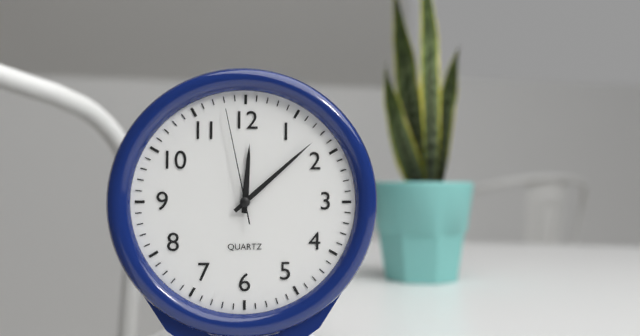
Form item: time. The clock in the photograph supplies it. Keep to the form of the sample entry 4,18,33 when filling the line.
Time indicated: 12,08,58
